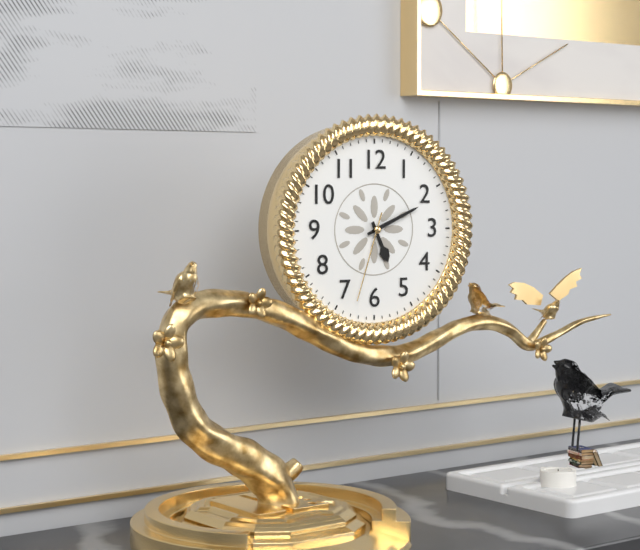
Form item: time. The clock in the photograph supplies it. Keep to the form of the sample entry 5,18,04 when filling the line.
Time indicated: 5,11,33
